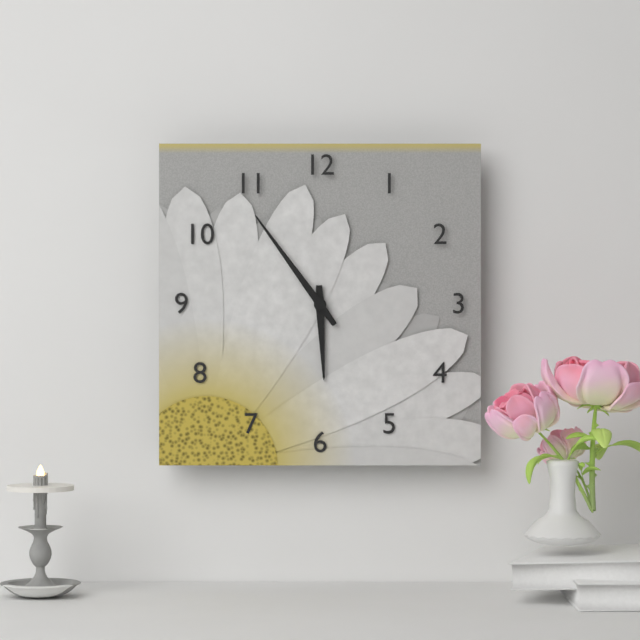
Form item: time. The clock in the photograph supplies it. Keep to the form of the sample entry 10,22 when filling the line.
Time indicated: 5,54
